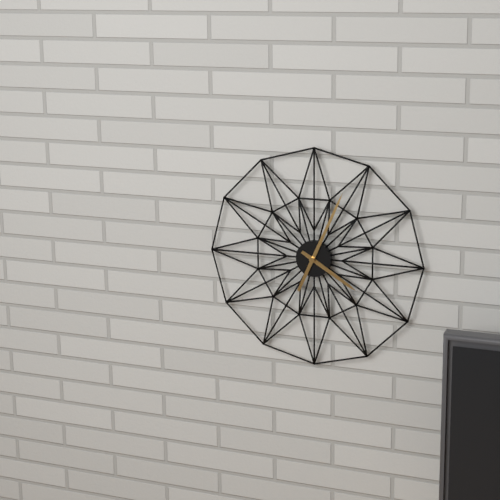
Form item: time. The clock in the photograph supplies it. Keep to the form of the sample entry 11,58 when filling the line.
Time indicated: 4,04
